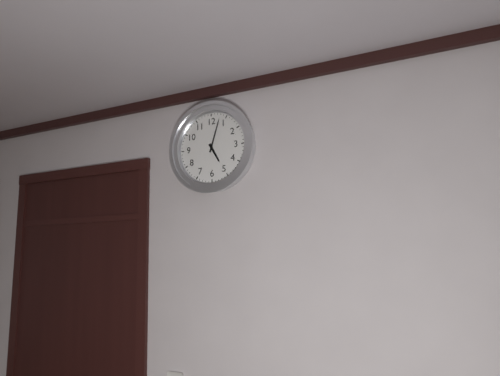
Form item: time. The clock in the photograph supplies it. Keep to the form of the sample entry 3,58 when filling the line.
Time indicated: 5,03
